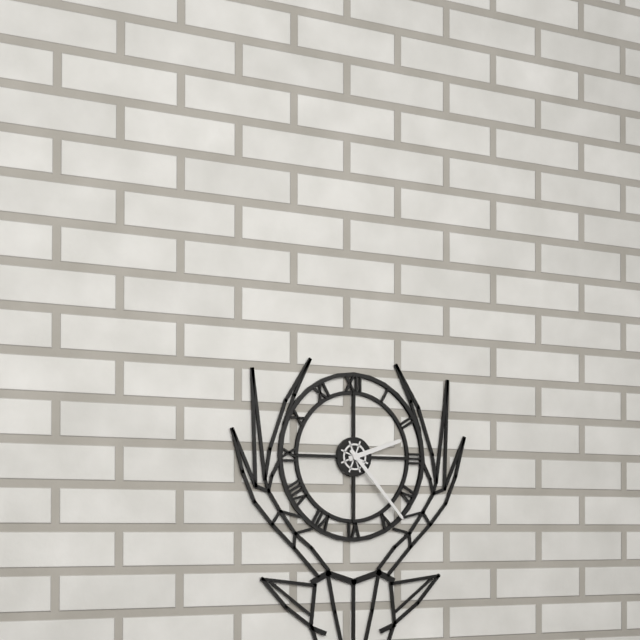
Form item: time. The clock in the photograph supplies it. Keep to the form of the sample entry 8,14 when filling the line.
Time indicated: 2,23
